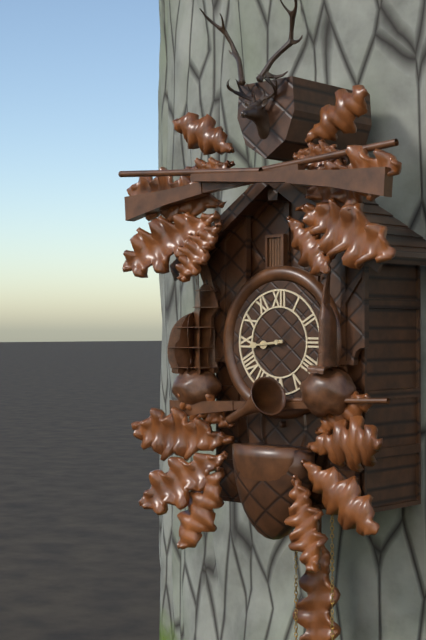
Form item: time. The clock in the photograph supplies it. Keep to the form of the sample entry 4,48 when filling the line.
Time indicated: 8,44
